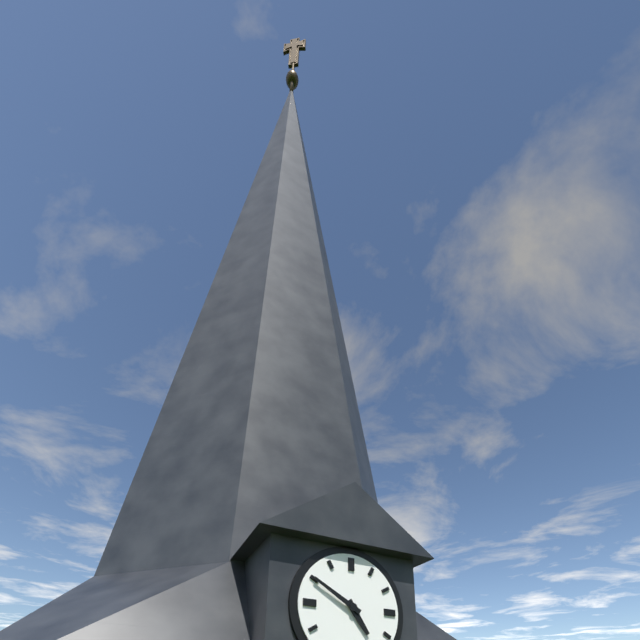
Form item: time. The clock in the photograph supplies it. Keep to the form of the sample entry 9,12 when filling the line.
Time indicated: 4,50
